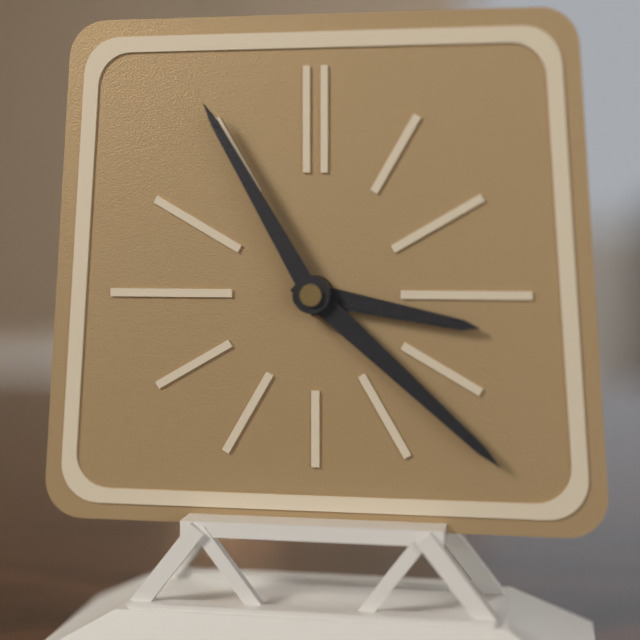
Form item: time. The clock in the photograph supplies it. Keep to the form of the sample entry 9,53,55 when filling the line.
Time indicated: 3,22,55
